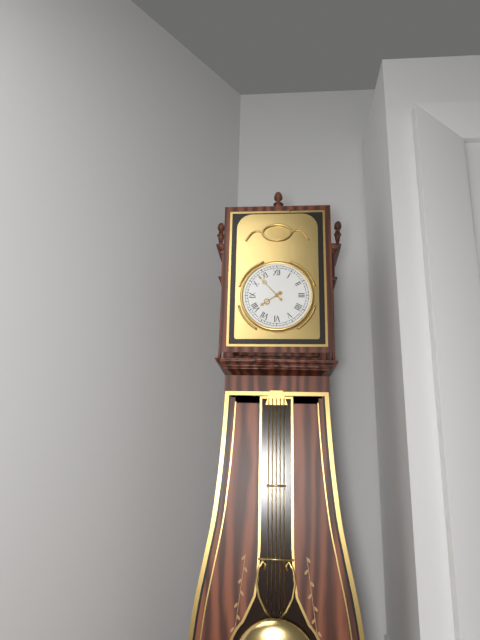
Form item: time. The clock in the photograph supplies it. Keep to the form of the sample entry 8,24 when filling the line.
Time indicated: 7,53
